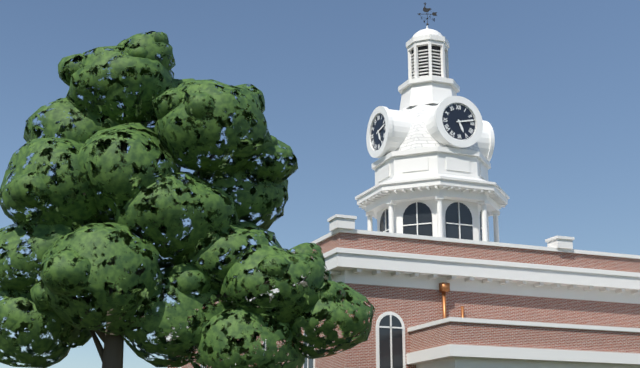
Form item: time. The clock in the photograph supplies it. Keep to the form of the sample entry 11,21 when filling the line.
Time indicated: 5,13
